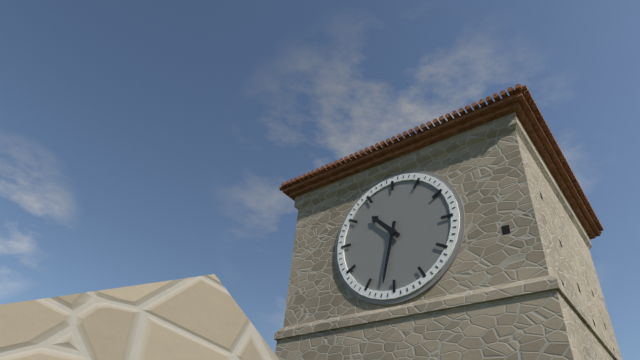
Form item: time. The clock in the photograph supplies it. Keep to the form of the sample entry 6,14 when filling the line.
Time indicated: 10,32
